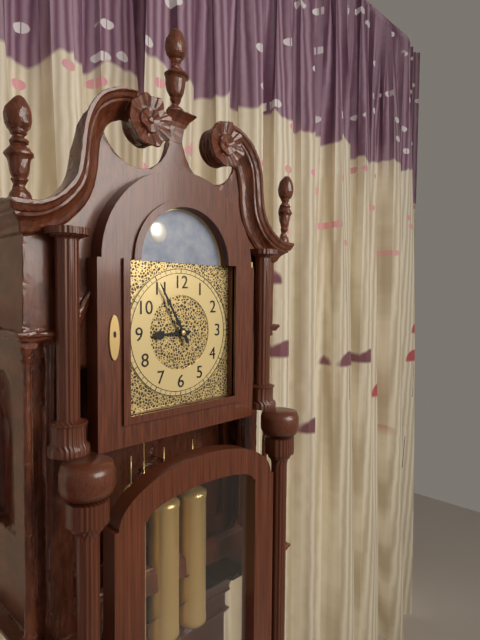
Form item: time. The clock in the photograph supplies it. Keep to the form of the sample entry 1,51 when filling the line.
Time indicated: 8,55
